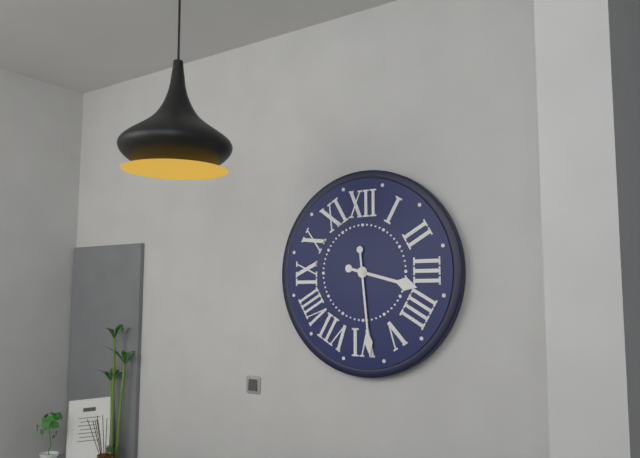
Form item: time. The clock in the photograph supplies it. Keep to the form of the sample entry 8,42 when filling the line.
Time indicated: 3,29
